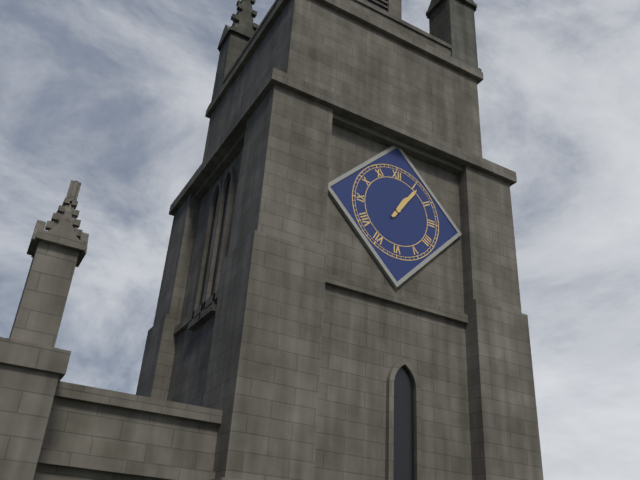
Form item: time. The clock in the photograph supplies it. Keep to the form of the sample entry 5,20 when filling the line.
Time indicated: 1,06
